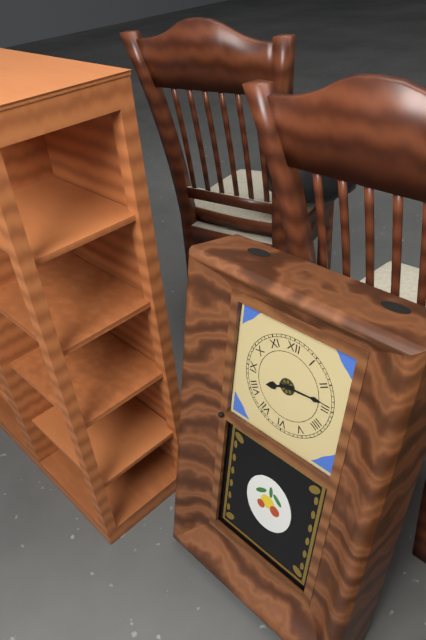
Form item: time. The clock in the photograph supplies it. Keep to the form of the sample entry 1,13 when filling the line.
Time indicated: 8,14
